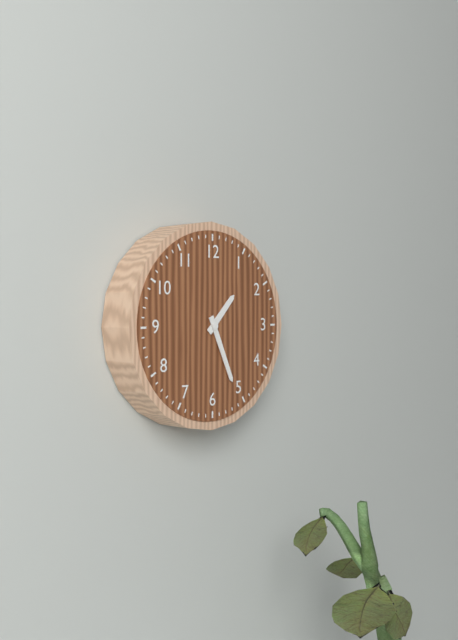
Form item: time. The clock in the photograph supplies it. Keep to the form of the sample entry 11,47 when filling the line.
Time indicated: 1,26
